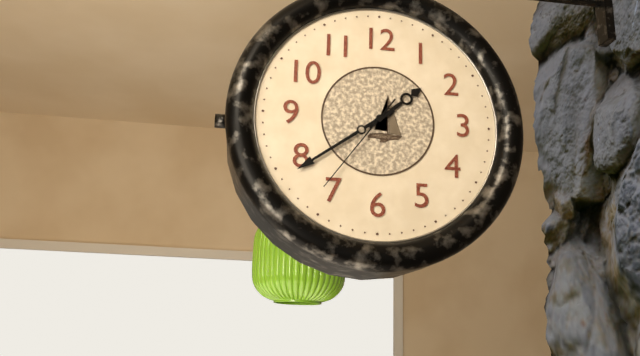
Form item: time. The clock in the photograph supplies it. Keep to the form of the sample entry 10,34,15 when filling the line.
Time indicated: 1,39,36
